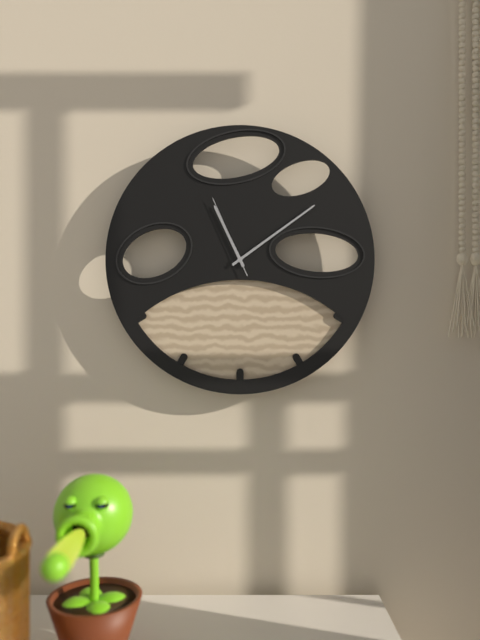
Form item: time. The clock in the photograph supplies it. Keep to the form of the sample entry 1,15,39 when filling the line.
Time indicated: 11,09,56
